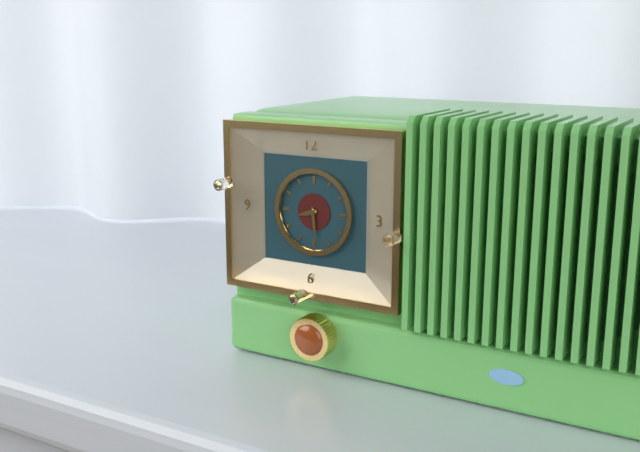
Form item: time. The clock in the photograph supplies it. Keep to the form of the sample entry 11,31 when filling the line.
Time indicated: 8,29
